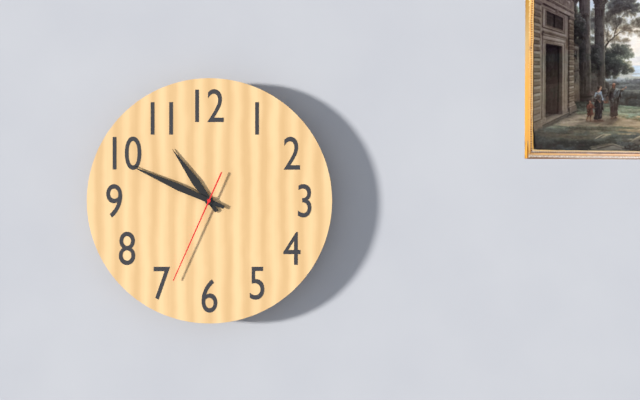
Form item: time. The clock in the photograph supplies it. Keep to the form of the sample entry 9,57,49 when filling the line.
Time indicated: 10,49,34
